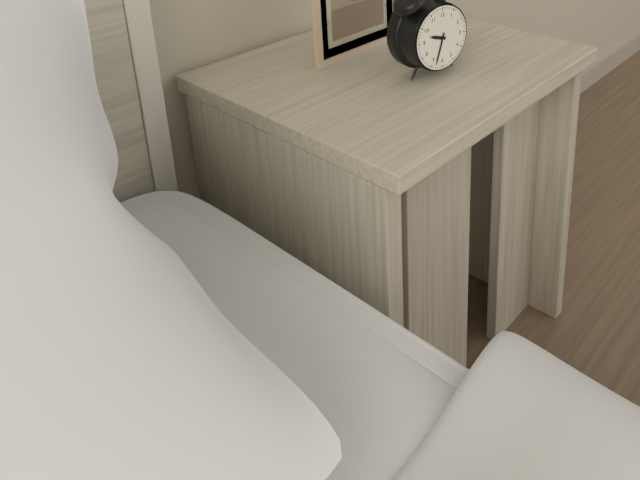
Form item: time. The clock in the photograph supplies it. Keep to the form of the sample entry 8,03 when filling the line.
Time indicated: 9,33
